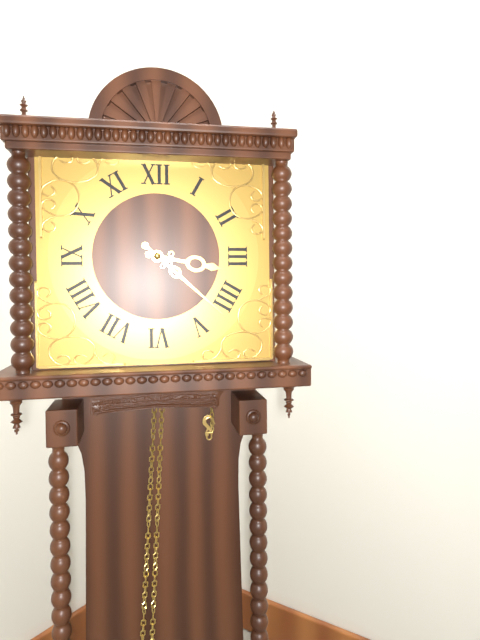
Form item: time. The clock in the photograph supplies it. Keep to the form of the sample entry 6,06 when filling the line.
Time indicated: 3,22
